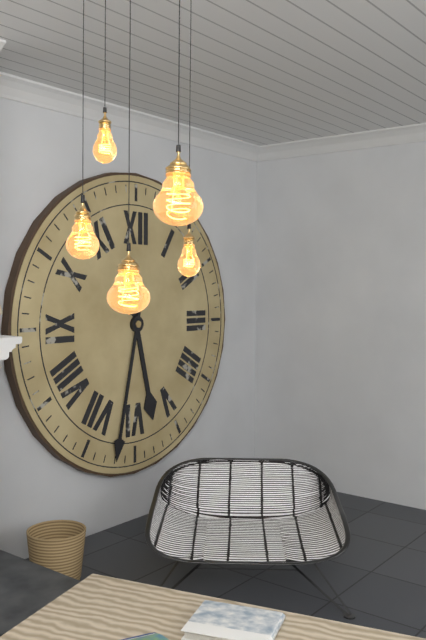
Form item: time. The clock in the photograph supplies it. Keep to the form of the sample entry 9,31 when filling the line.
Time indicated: 5,32
